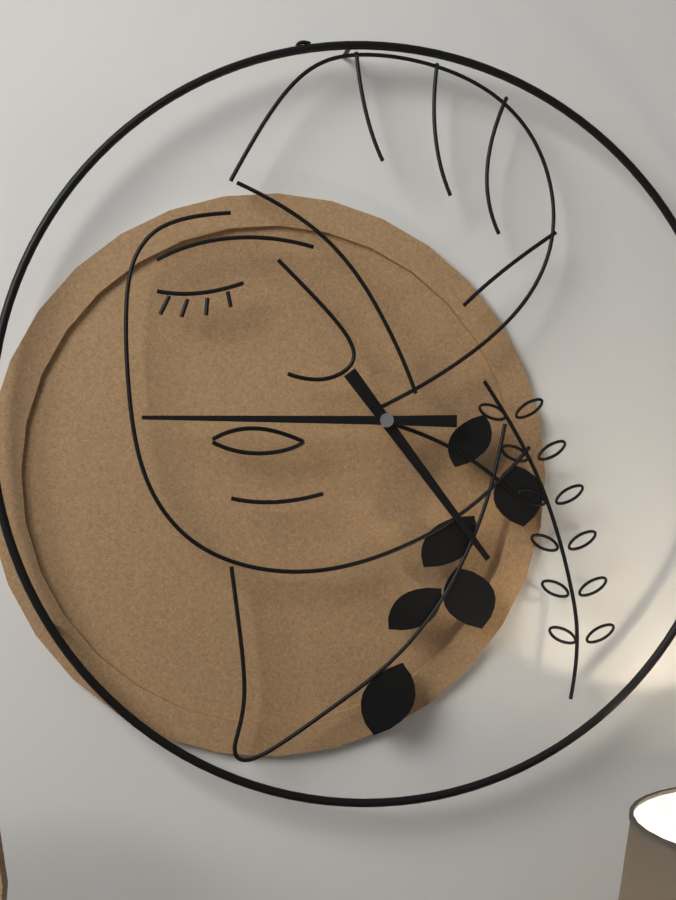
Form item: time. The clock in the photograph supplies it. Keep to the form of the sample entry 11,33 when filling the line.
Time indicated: 4,45
